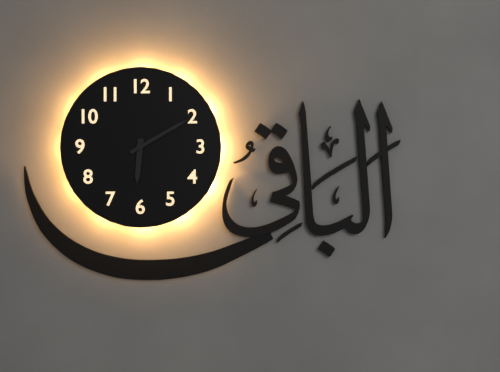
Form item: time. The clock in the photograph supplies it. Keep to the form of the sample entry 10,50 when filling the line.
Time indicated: 6,10
